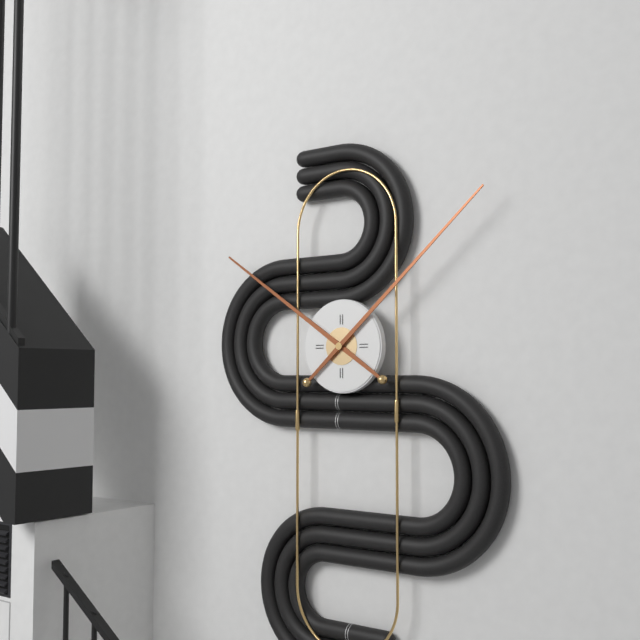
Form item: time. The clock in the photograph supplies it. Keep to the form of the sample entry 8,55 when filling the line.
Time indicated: 10,08
